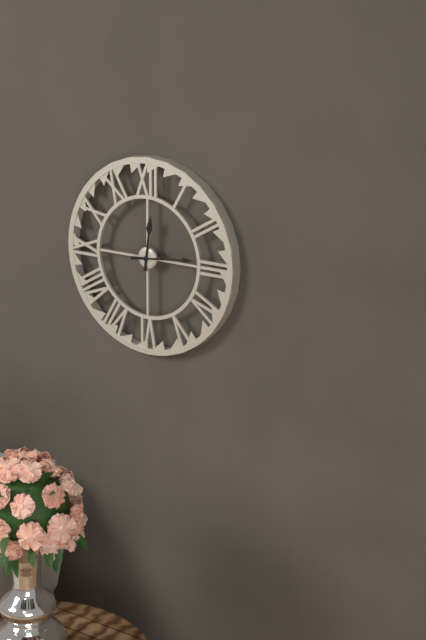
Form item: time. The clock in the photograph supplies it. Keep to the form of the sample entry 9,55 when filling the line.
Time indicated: 12,14
